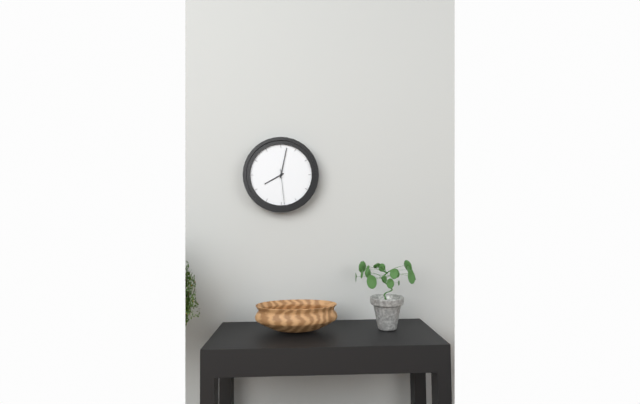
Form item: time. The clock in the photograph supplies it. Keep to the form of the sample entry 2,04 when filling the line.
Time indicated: 8,02
